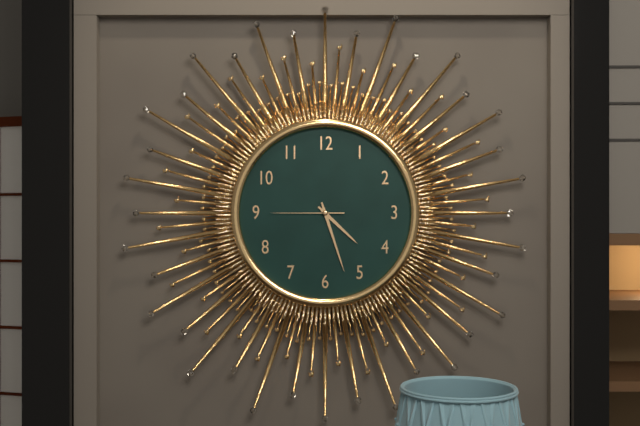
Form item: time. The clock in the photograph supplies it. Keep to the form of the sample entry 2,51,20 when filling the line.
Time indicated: 4,27,45
